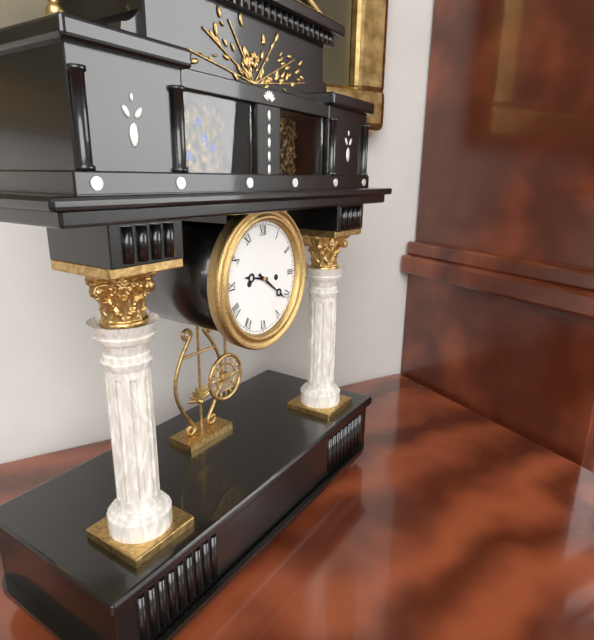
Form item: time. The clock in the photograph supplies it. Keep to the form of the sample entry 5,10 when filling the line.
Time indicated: 9,21
